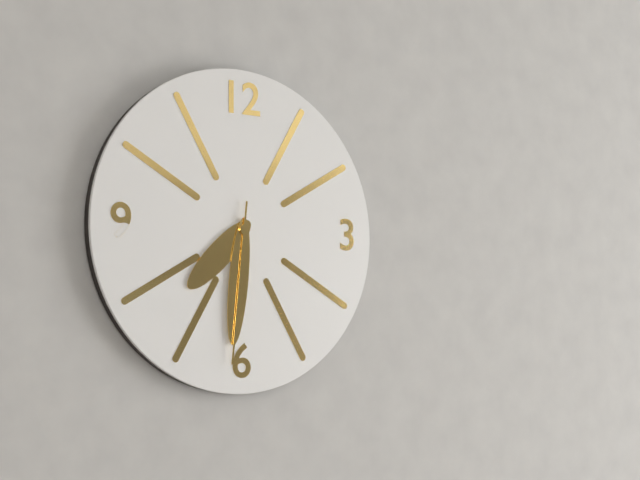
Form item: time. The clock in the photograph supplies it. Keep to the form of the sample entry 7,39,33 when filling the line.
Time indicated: 7,31,31
